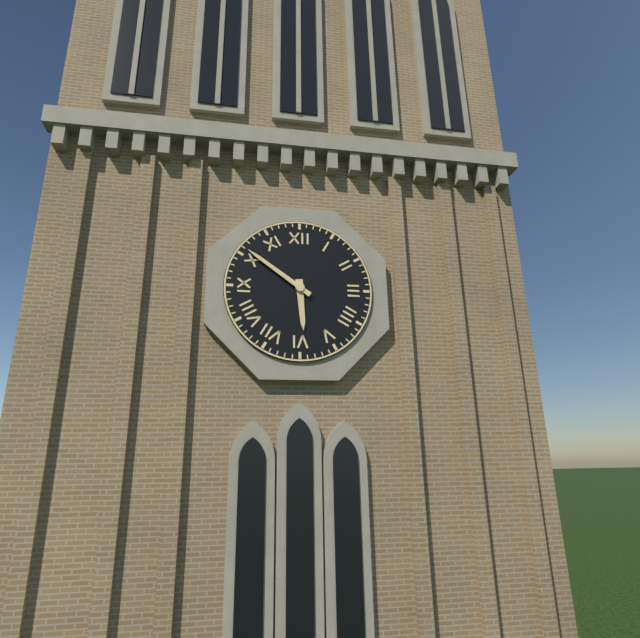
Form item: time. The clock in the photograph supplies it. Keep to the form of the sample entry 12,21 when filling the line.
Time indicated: 5,51
